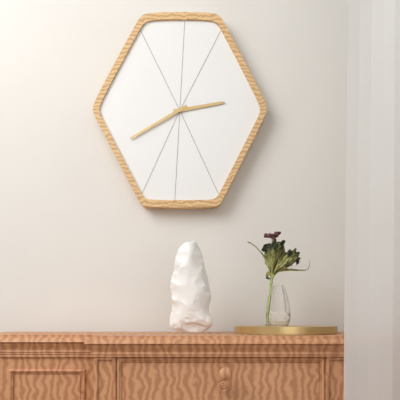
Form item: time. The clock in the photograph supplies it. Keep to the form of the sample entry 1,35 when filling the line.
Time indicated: 2,40
